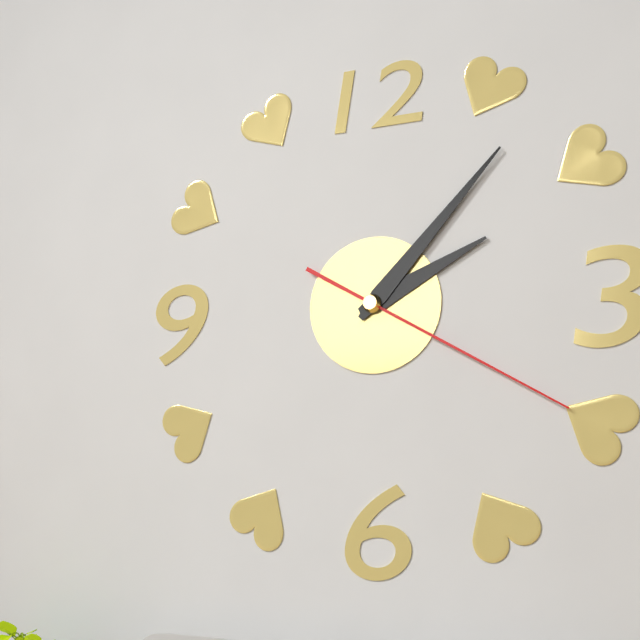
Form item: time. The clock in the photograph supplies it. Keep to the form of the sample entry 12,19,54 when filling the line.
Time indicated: 2,07,20
